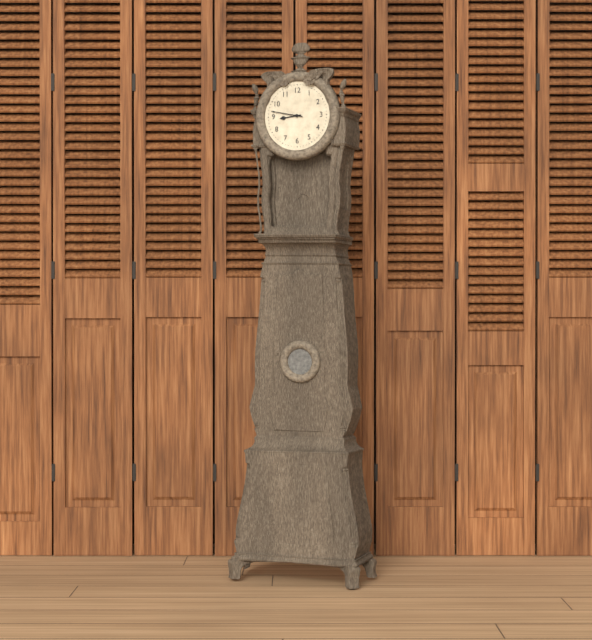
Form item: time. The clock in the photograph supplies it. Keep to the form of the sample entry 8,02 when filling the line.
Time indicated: 8,47
